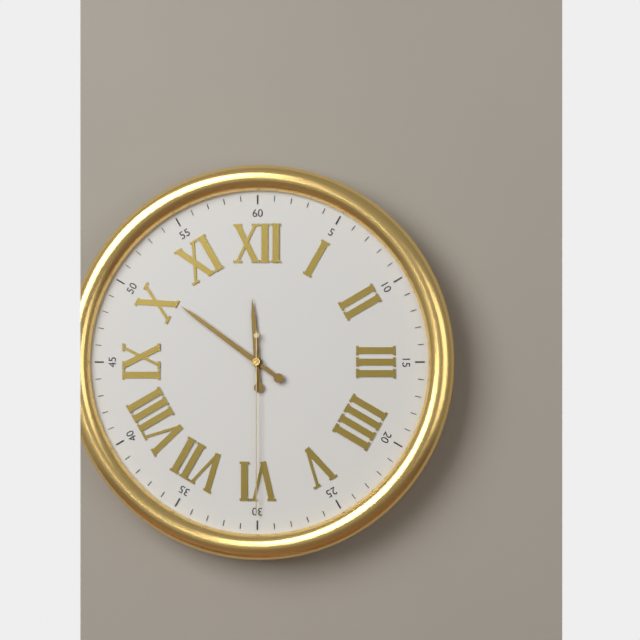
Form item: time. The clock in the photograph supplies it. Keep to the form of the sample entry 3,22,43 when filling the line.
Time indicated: 11,51,30
